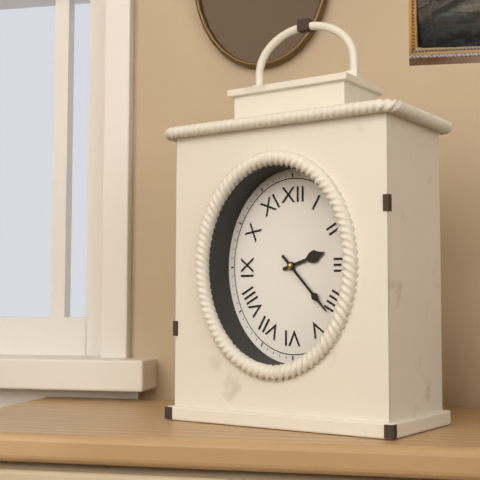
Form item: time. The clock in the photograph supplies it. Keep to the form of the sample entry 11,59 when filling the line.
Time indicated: 2,23
